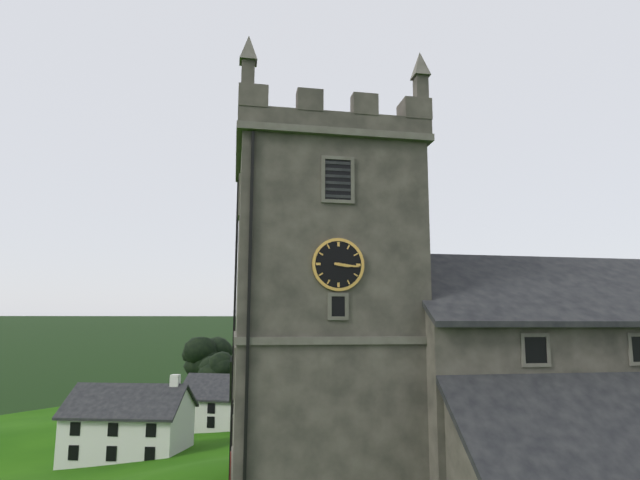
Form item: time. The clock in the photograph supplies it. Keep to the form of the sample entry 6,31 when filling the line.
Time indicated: 3,16
